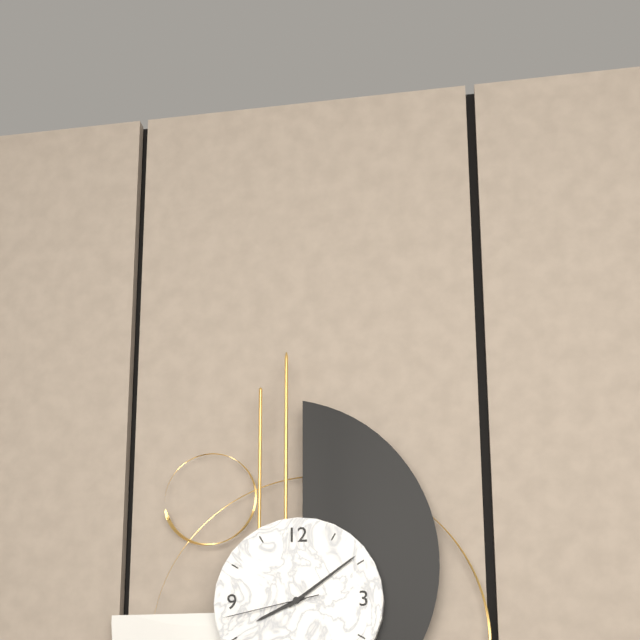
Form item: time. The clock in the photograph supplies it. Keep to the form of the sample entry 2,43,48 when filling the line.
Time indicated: 8,09,43
